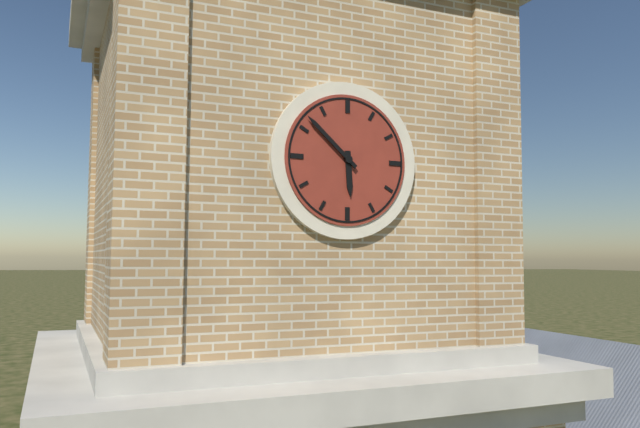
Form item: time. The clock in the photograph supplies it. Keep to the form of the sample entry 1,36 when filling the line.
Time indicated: 5,52
